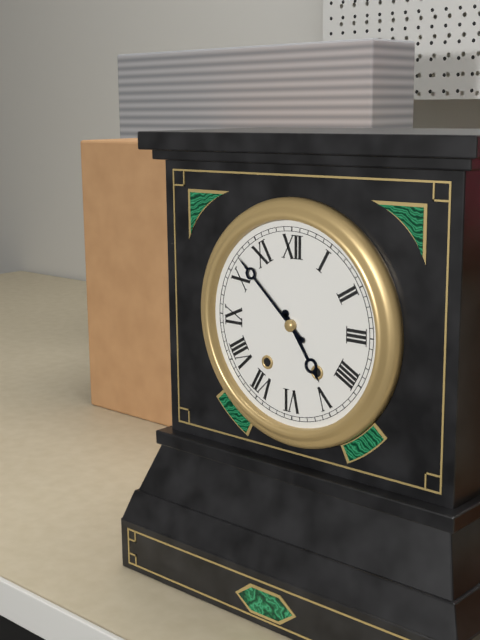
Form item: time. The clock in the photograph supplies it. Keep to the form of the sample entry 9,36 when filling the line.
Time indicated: 4,52
